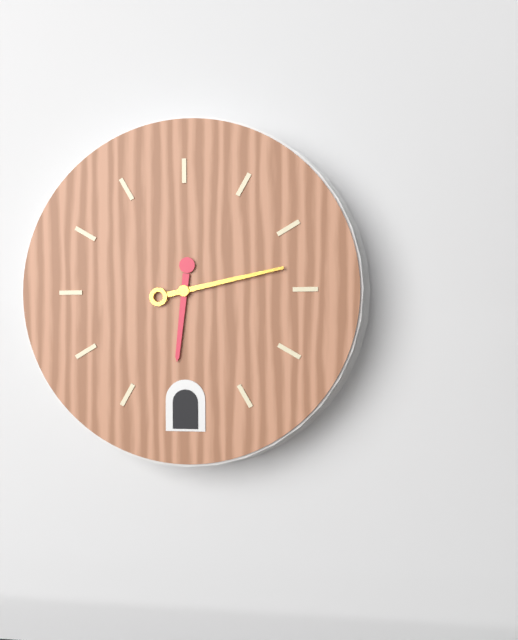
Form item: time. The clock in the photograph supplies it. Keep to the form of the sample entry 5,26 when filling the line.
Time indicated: 6,13
